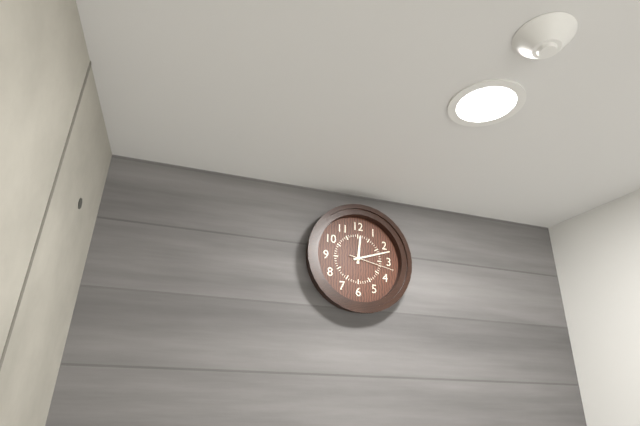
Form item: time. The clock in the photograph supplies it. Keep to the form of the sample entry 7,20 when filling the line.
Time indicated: 12,12
